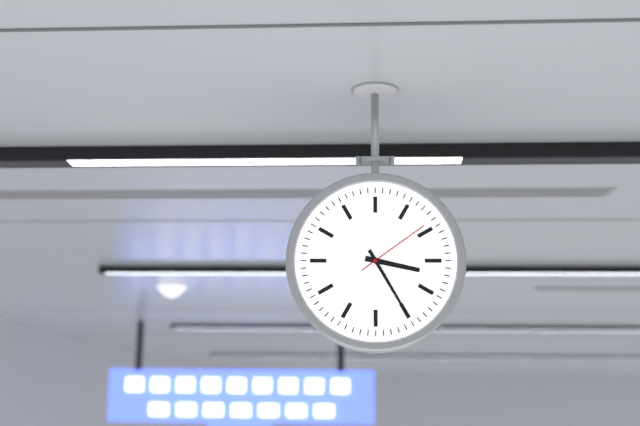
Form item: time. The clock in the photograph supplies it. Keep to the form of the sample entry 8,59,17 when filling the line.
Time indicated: 3,25,09
